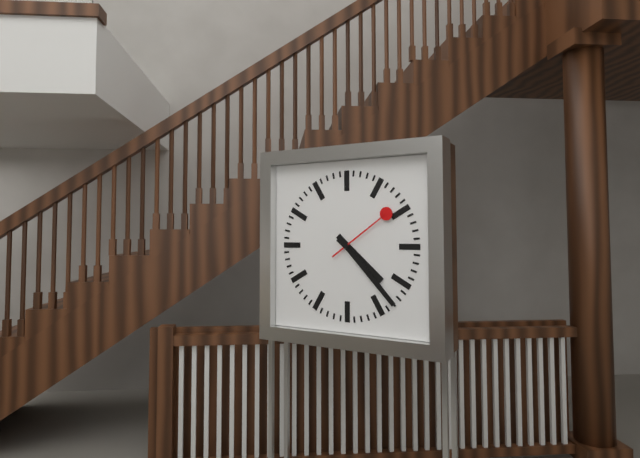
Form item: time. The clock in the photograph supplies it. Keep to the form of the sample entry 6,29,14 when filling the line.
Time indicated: 4,23,09
